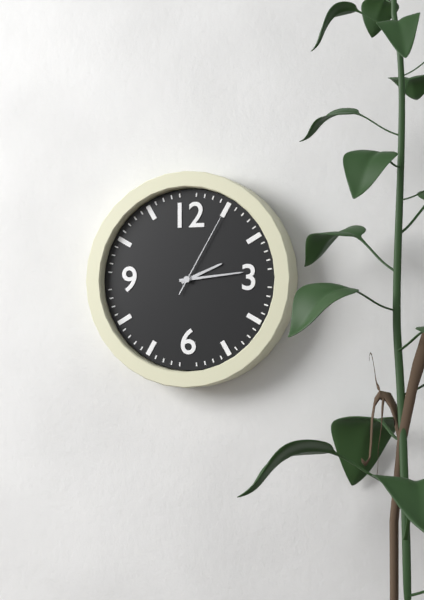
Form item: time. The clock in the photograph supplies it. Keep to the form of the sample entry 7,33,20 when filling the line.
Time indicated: 2,14,05
